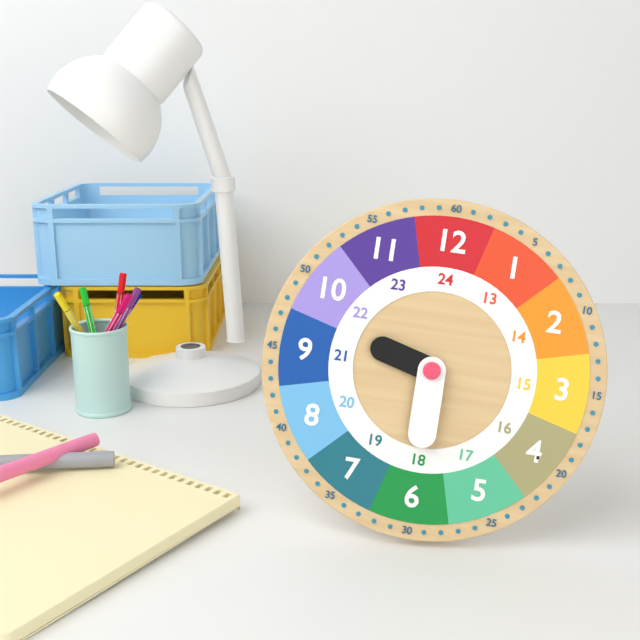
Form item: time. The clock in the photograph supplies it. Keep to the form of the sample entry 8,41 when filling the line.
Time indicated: 9,30
